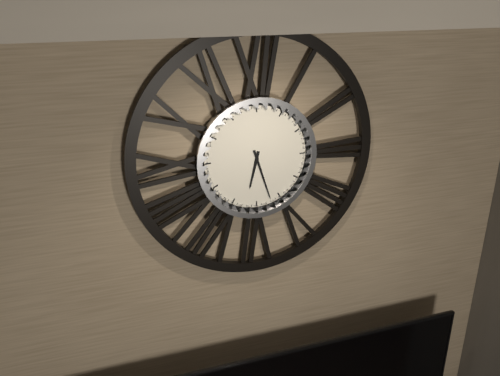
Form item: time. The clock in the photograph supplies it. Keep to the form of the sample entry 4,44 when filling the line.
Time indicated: 6,27
